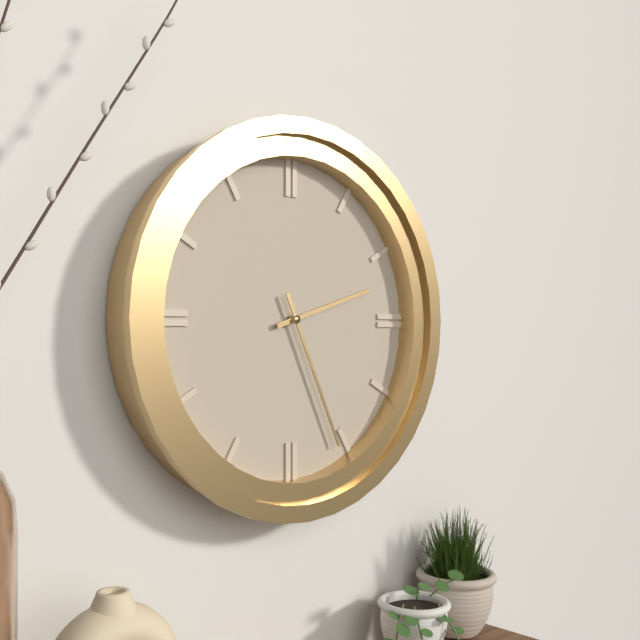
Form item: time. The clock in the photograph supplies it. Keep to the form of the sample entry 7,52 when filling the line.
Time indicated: 2,26
